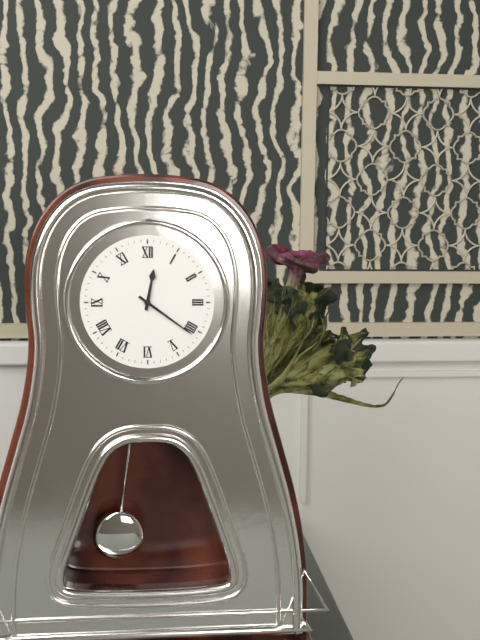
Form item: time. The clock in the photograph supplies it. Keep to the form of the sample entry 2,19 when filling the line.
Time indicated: 12,21
